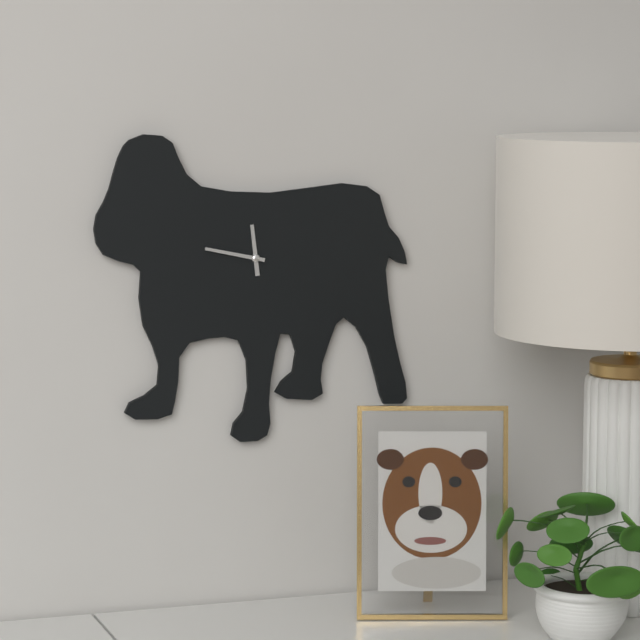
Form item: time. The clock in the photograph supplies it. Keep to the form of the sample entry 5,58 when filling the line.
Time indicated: 11,47
